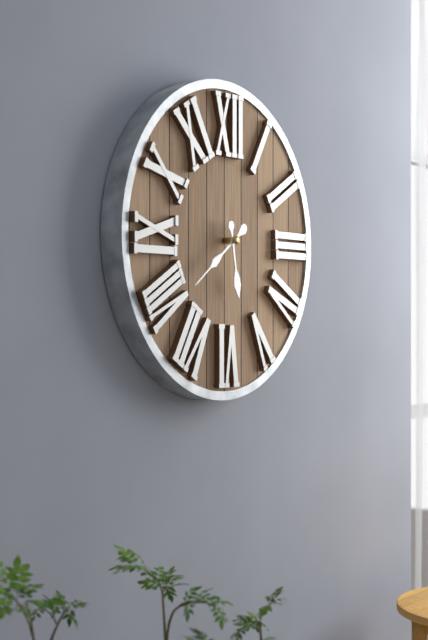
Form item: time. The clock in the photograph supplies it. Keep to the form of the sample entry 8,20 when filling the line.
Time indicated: 5,39
